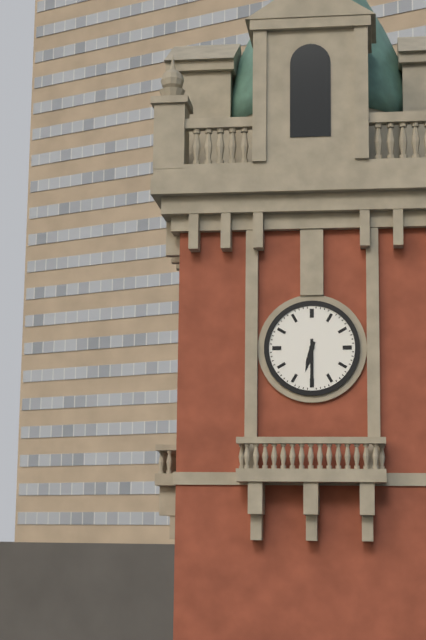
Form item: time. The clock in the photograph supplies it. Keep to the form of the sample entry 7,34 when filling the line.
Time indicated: 6,30
